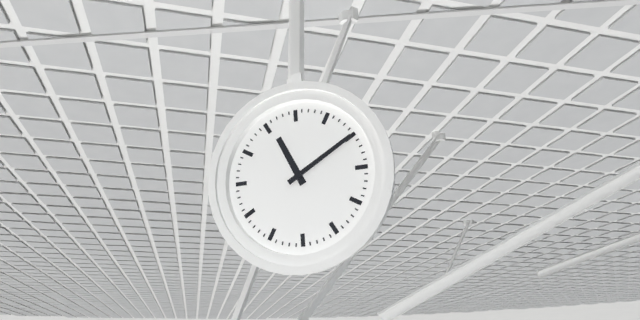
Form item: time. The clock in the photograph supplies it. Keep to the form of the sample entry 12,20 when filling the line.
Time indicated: 11,10
